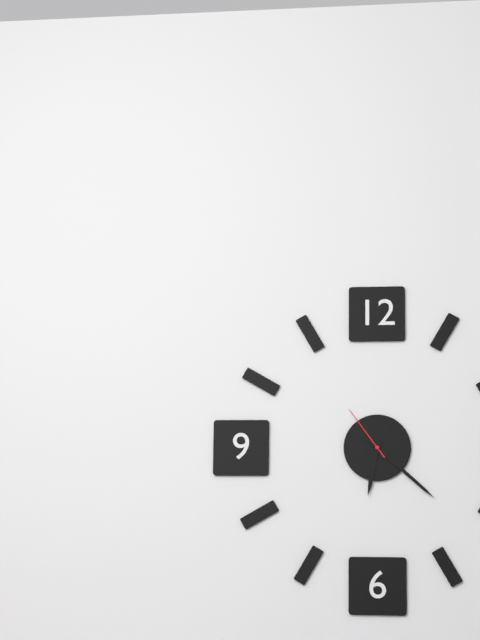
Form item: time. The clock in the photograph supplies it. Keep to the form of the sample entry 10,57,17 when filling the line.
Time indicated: 6,22,54
